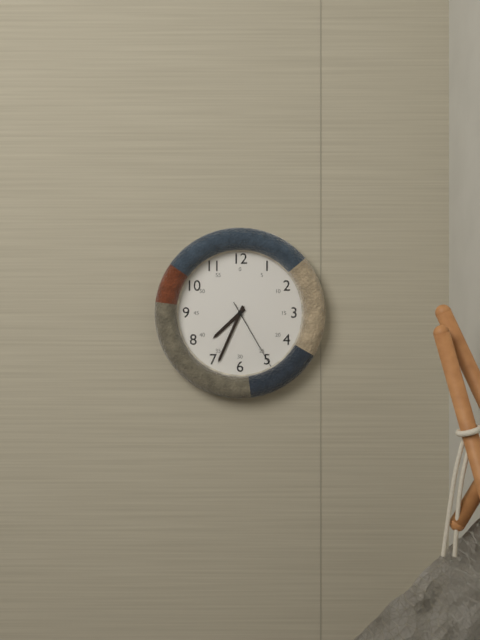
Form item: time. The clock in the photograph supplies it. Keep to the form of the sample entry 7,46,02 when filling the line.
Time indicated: 7,34,25
